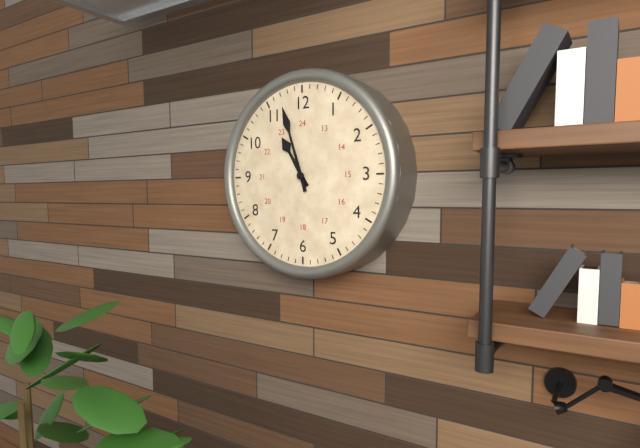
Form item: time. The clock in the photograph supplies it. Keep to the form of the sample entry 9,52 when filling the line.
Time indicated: 10,57
